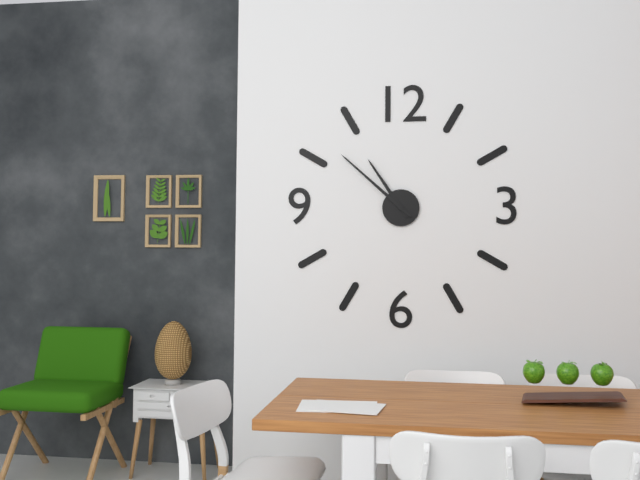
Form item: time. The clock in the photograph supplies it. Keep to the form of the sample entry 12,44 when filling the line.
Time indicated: 10,52
